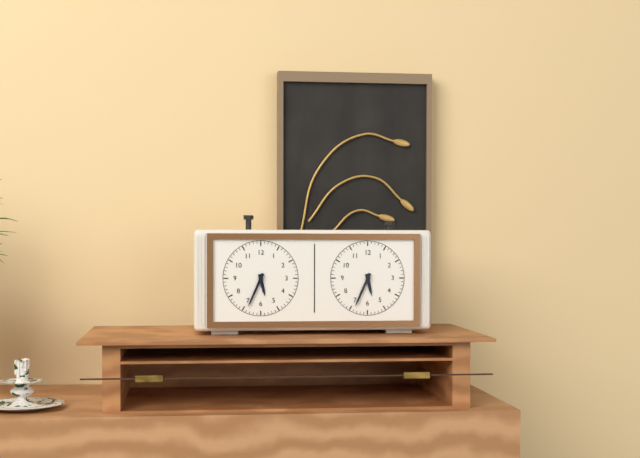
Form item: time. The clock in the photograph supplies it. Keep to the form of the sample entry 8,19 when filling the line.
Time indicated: 5,34
